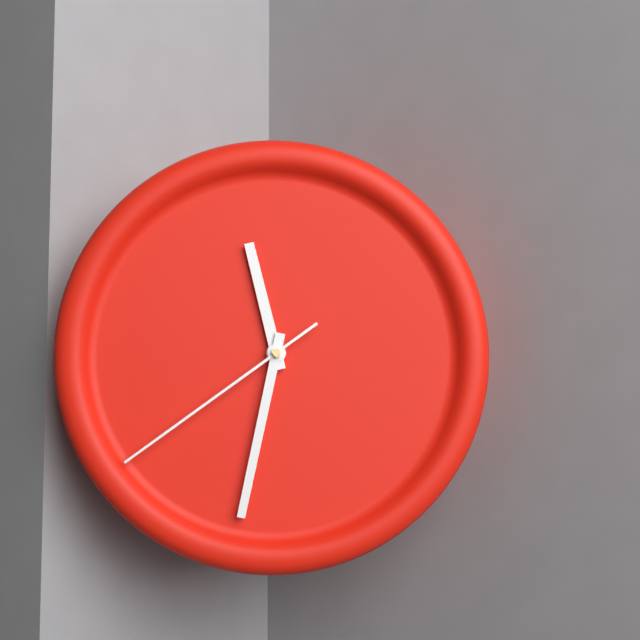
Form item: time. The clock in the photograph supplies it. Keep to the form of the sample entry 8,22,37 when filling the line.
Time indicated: 11,32,39
